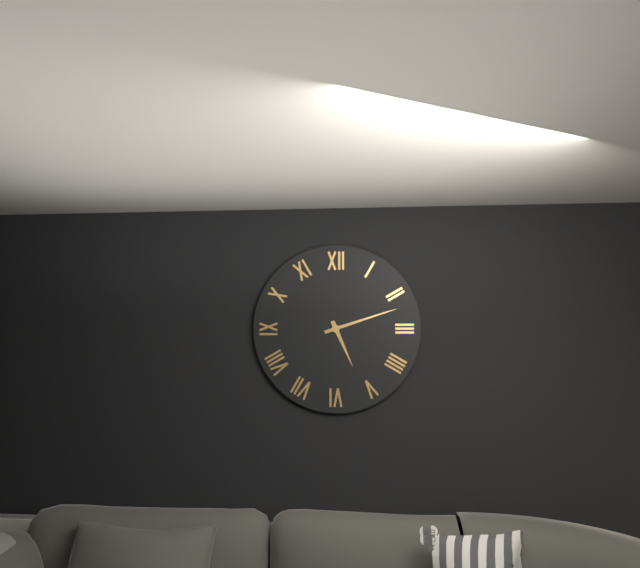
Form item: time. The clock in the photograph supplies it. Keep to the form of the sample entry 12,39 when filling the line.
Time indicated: 5,12
